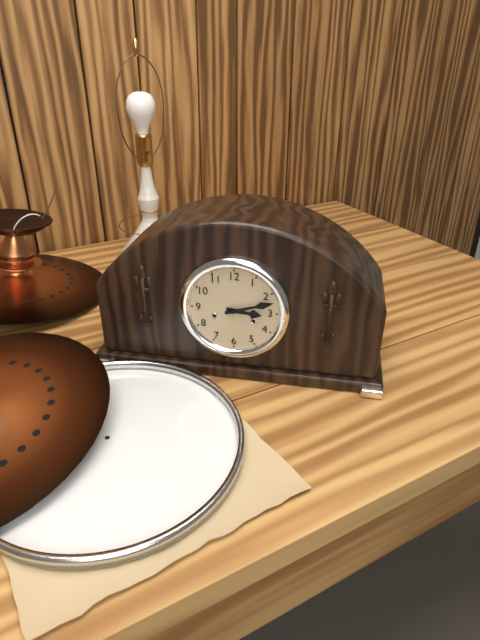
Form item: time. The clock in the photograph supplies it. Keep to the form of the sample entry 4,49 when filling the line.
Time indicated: 3,12
